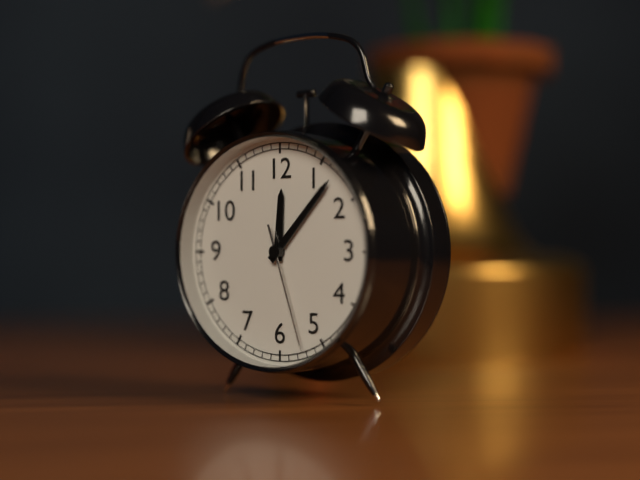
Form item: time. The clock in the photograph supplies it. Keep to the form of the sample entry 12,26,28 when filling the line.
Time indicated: 12,07,27
